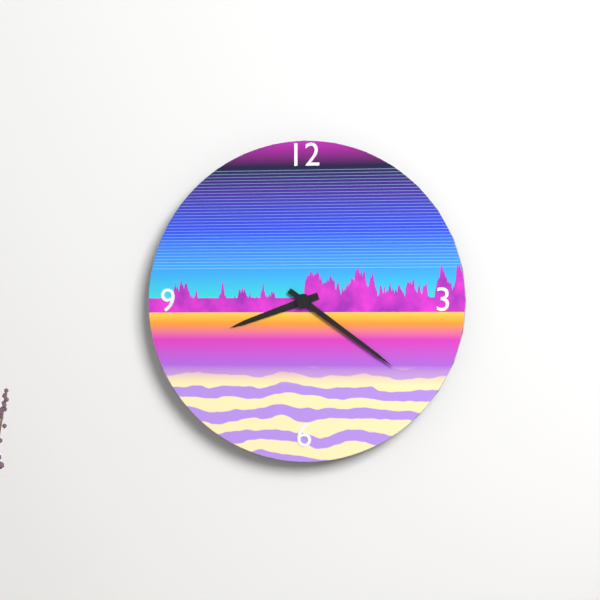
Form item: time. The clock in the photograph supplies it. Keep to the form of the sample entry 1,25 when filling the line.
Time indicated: 8,21
